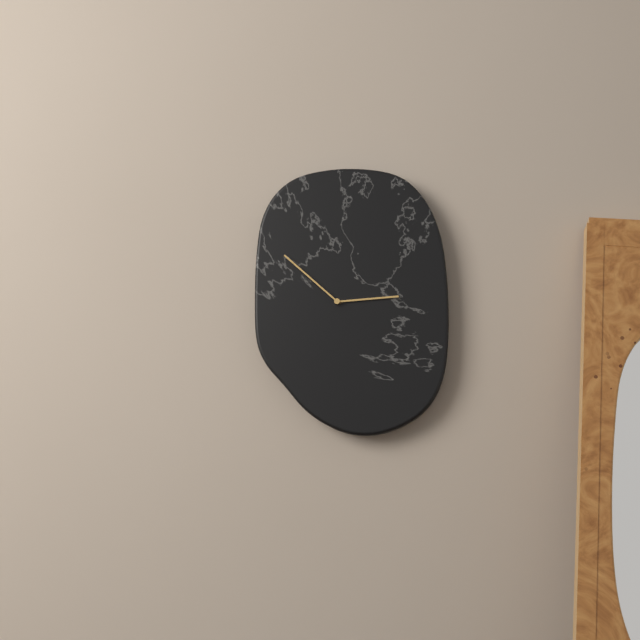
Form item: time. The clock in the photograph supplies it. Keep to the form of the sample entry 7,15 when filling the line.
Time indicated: 2,52
